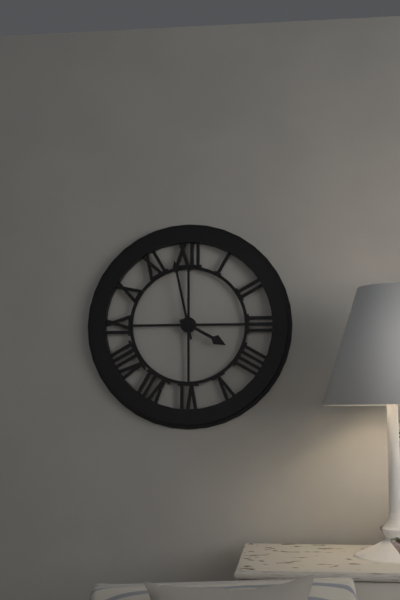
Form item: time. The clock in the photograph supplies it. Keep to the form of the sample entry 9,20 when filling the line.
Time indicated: 3,58
